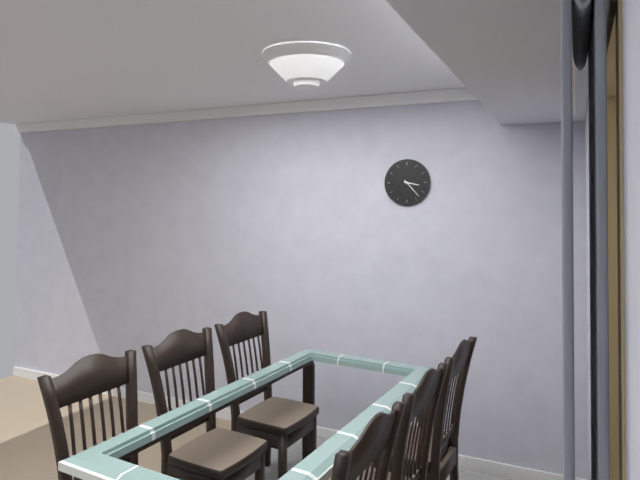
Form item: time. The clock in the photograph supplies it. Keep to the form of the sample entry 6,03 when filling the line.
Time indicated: 3,23
